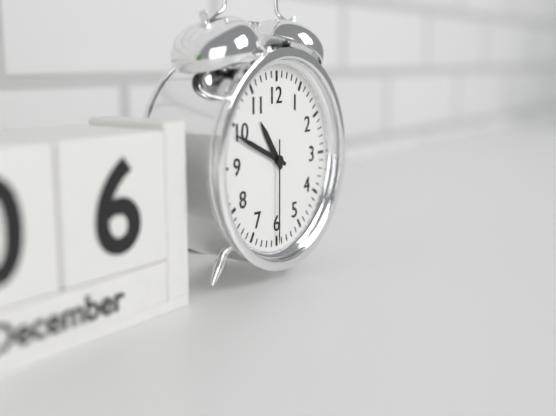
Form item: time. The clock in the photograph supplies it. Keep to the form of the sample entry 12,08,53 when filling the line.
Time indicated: 10,49,30
